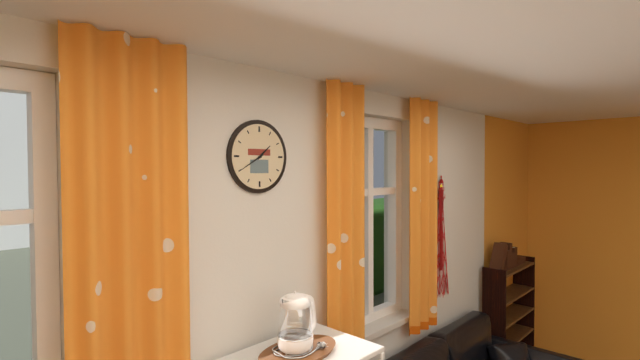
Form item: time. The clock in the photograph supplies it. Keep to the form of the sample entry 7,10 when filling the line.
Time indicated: 1,40
